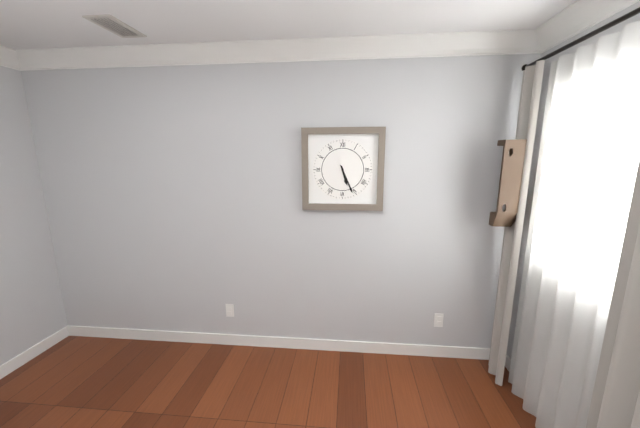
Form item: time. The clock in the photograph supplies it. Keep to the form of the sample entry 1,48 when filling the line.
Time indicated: 5,26
